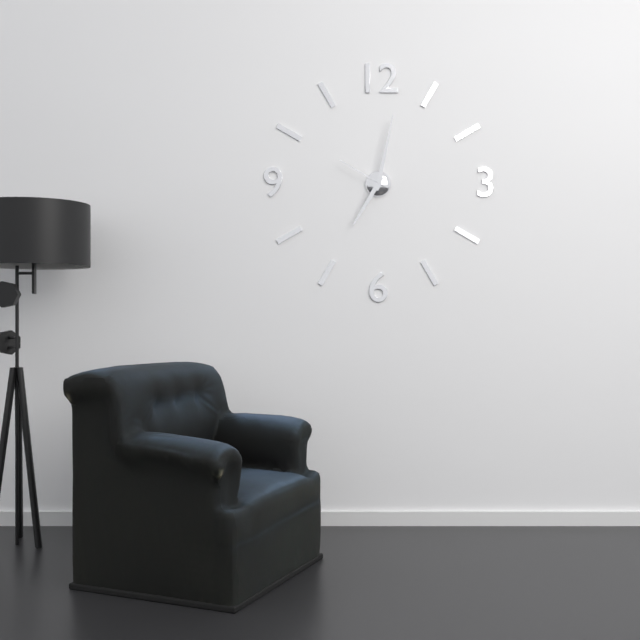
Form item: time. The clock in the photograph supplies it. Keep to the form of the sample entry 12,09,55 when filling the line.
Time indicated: 7,02,50
